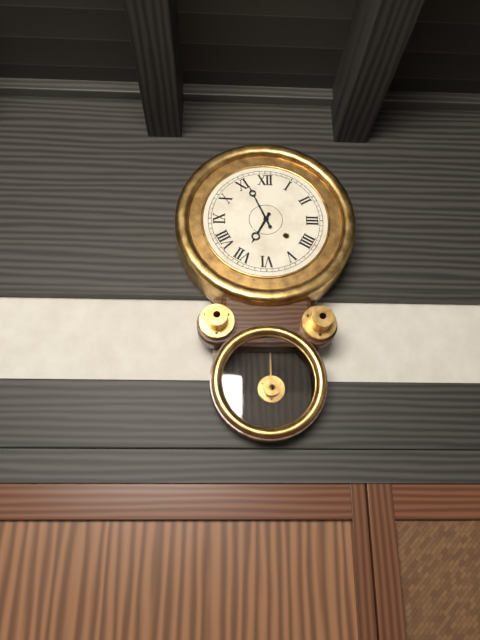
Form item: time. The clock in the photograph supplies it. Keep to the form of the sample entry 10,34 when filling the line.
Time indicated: 6,56
